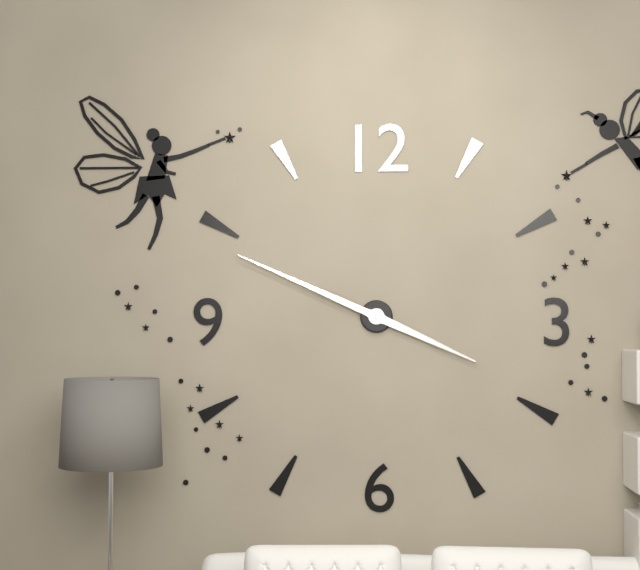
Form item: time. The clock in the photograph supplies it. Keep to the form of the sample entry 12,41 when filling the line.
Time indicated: 3,49
